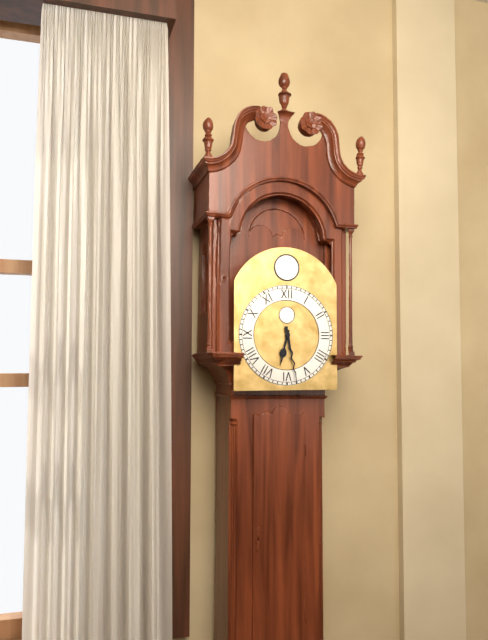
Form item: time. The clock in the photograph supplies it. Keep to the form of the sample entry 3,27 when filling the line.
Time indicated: 6,28
